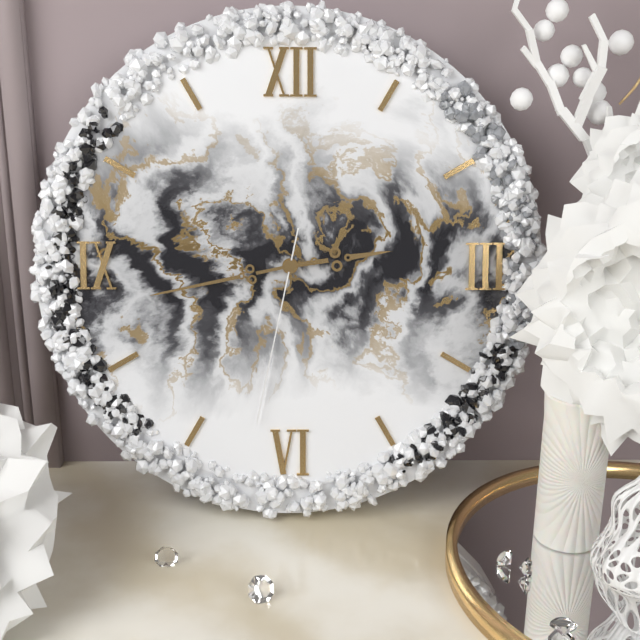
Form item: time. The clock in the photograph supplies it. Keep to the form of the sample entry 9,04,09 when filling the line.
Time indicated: 2,43,32
